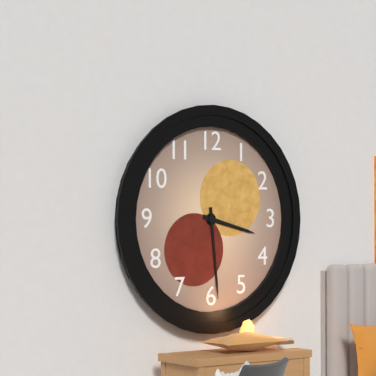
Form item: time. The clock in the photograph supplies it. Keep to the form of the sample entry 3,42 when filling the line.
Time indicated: 3,29
